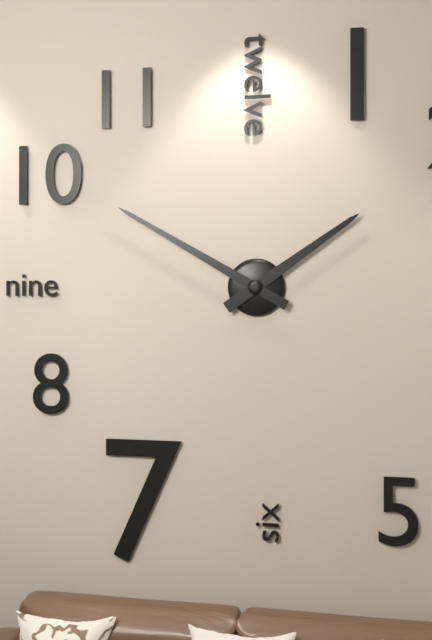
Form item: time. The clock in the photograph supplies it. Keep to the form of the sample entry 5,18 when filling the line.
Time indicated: 1,50
